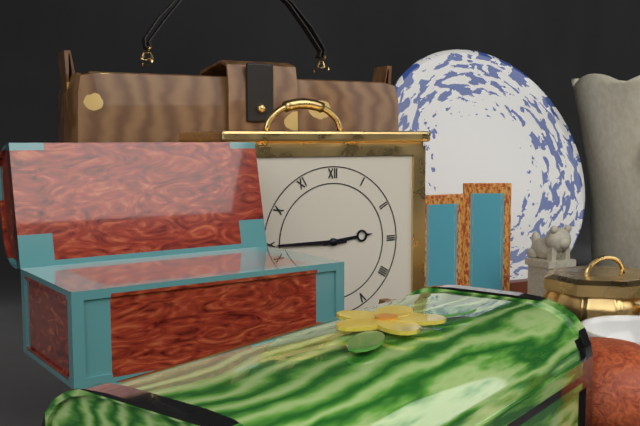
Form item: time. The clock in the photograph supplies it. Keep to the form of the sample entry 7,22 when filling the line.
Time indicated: 2,45
